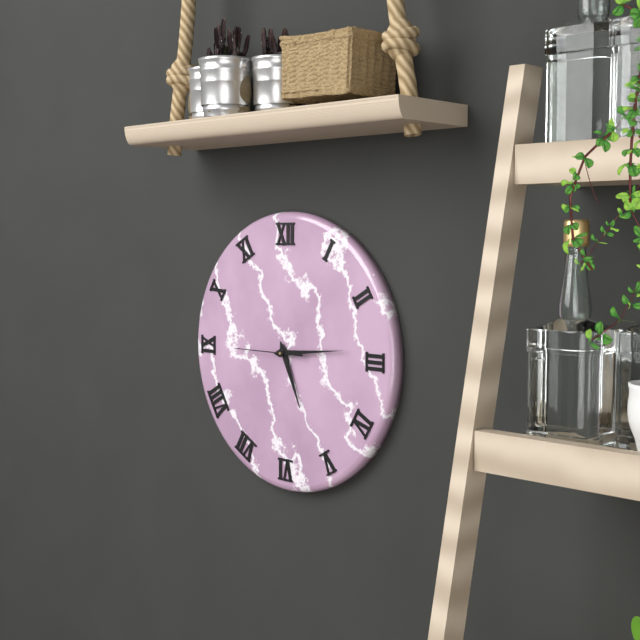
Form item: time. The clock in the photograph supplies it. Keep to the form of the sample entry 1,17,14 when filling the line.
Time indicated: 5,14,45
